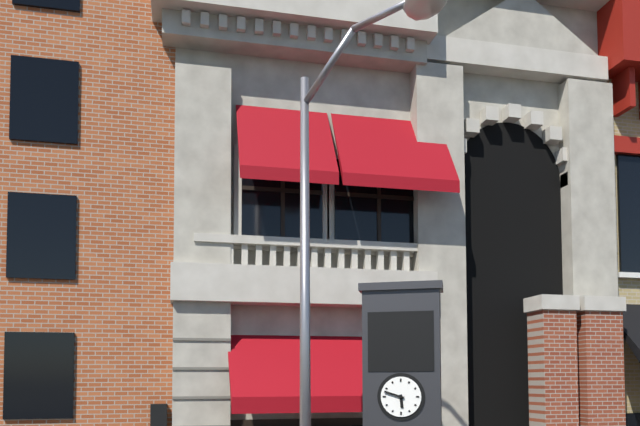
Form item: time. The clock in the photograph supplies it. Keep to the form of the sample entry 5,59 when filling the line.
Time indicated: 5,48
